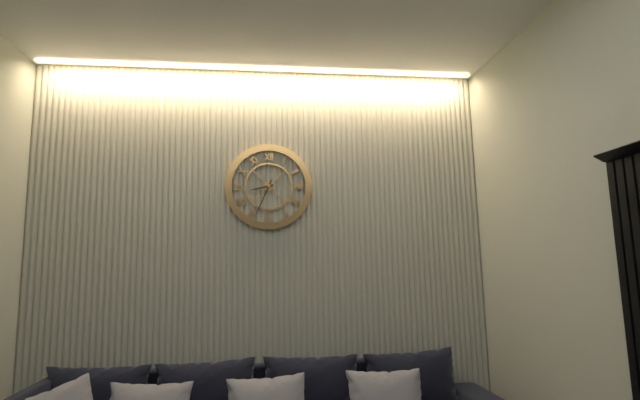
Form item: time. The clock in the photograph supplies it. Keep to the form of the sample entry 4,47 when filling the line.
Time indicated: 8,34
